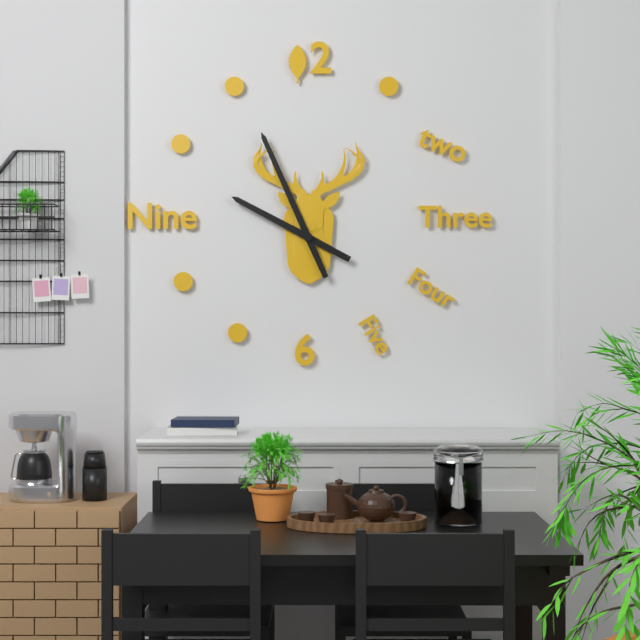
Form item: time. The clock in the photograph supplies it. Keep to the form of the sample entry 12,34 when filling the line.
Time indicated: 9,56
